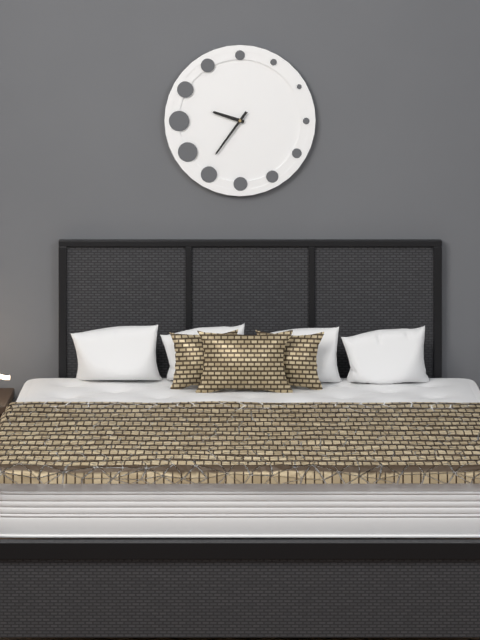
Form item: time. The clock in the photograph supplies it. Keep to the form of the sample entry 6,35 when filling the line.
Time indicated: 9,36
